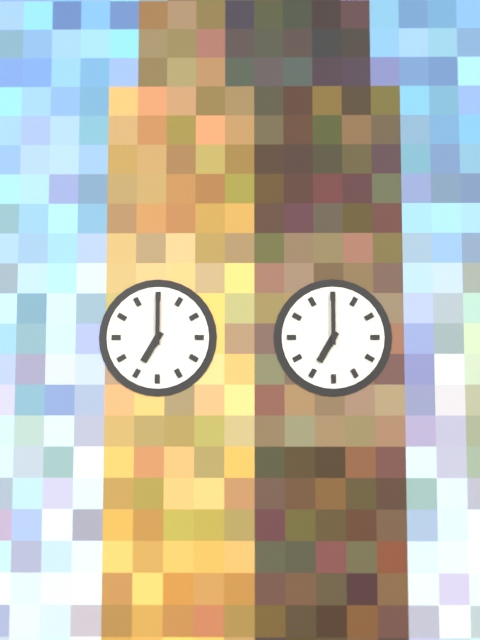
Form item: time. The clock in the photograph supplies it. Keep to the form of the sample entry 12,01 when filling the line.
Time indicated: 7,00
